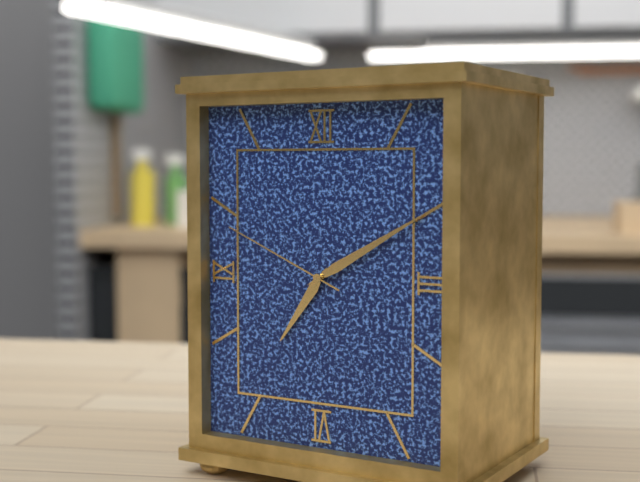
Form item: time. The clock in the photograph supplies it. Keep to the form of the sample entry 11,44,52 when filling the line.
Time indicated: 7,10,49
